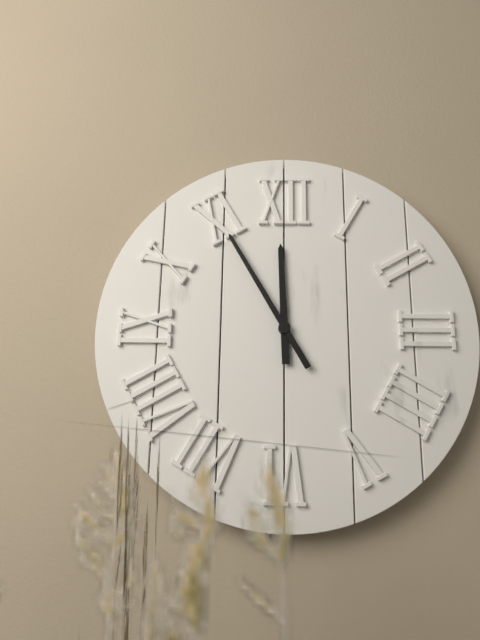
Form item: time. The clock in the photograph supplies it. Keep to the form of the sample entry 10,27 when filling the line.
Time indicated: 11,55
